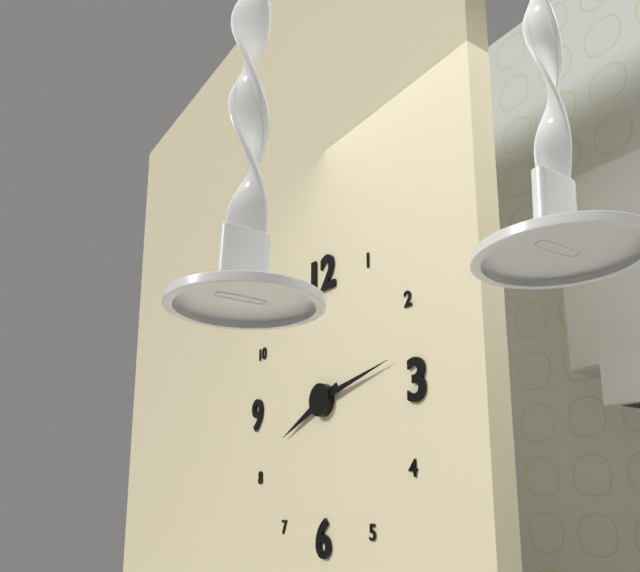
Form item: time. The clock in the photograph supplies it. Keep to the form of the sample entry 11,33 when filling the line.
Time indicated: 8,13
